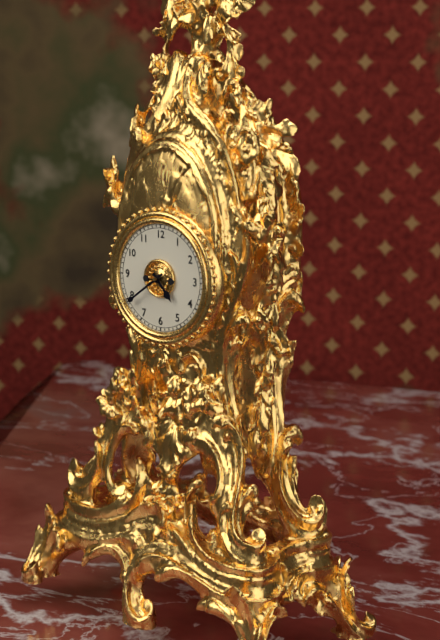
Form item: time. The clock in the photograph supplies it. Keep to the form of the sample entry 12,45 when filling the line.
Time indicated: 4,39
